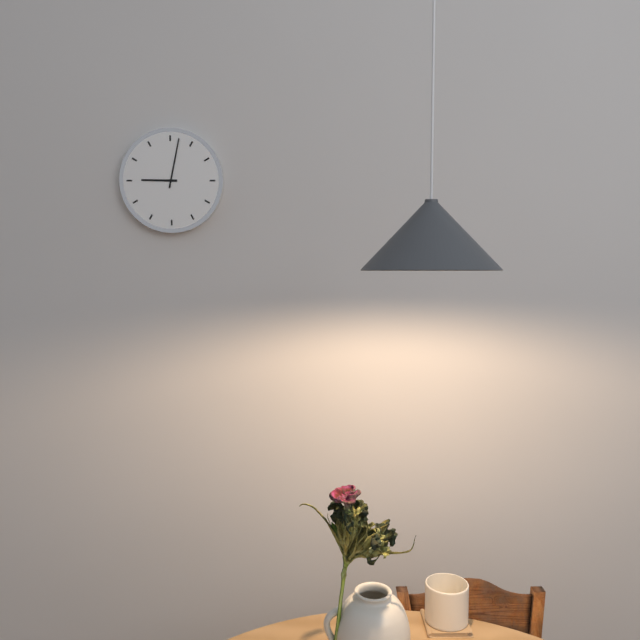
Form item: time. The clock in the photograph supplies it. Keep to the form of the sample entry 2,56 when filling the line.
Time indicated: 9,02
